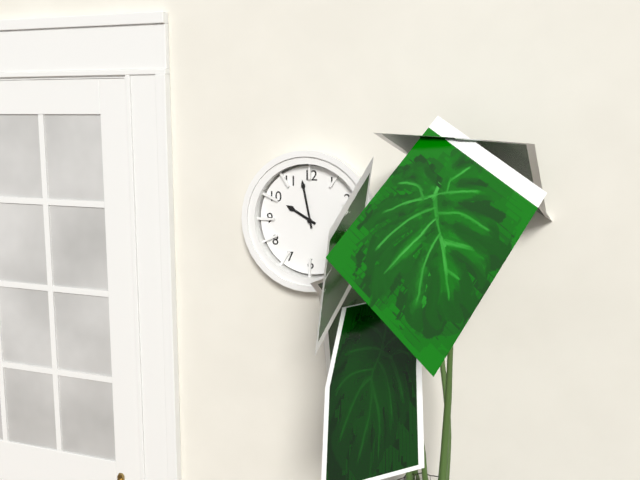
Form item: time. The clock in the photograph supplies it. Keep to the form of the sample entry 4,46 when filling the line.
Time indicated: 9,58
